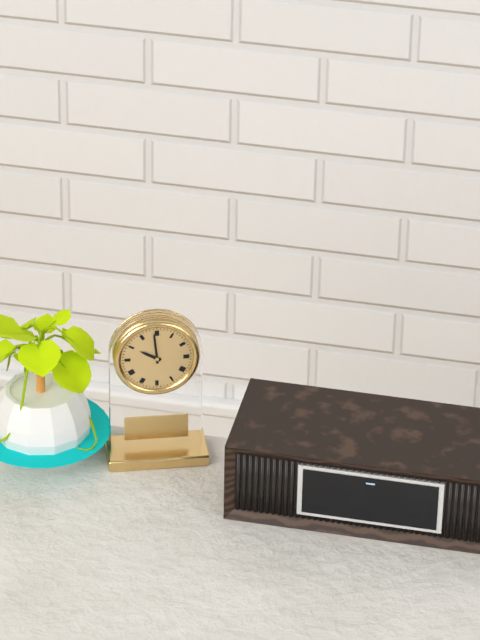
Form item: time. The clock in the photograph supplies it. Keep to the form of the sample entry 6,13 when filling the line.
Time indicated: 9,59
